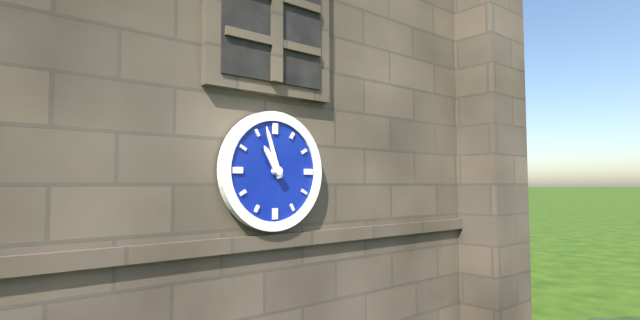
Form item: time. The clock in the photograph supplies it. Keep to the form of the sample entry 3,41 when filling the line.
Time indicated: 10,57
